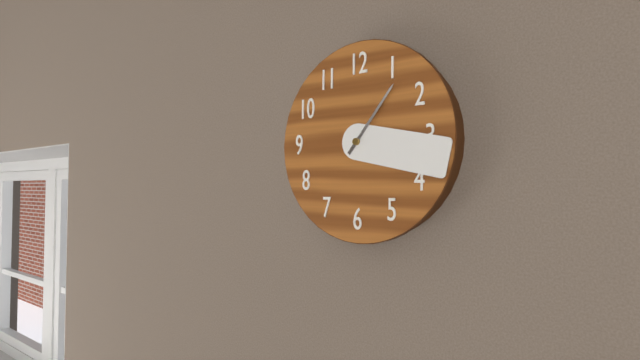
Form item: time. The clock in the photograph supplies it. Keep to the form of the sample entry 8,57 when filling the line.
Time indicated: 1,17
